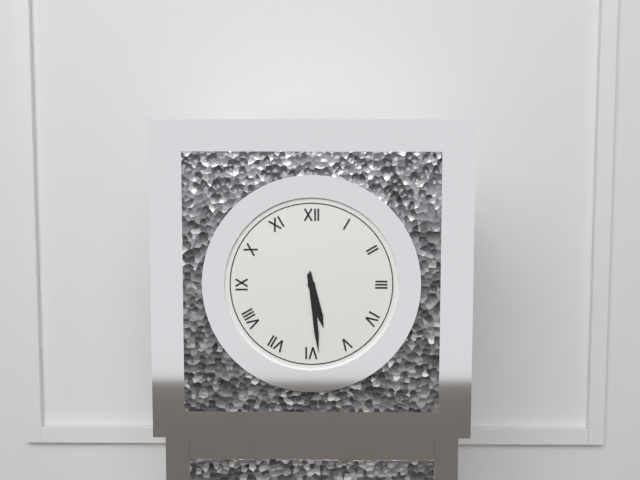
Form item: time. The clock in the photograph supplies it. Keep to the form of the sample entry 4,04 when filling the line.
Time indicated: 5,29
